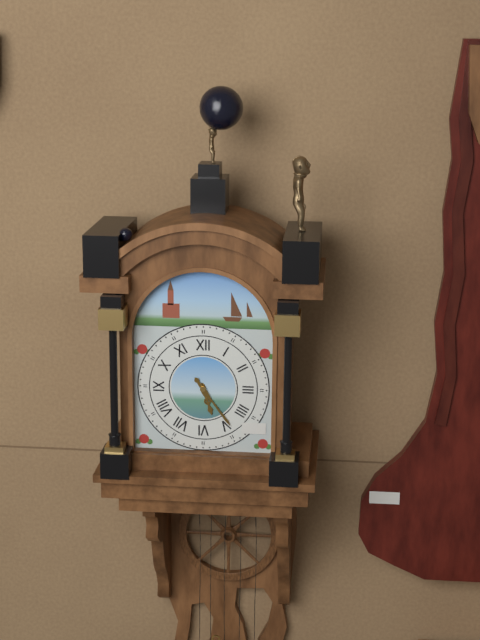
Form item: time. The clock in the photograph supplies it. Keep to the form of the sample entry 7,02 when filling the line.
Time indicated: 5,24
